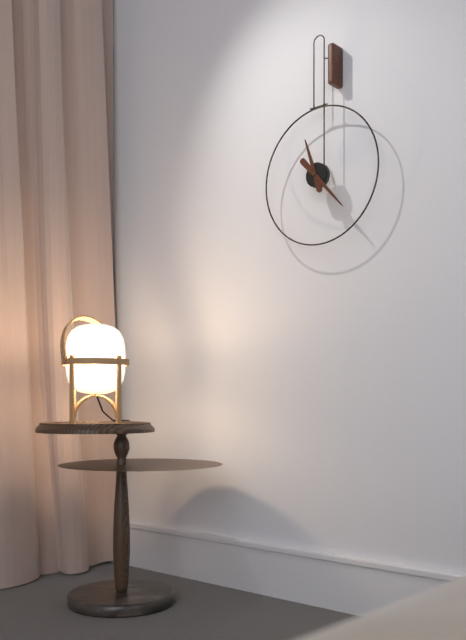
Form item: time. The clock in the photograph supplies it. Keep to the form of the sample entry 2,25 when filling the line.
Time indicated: 11,23
